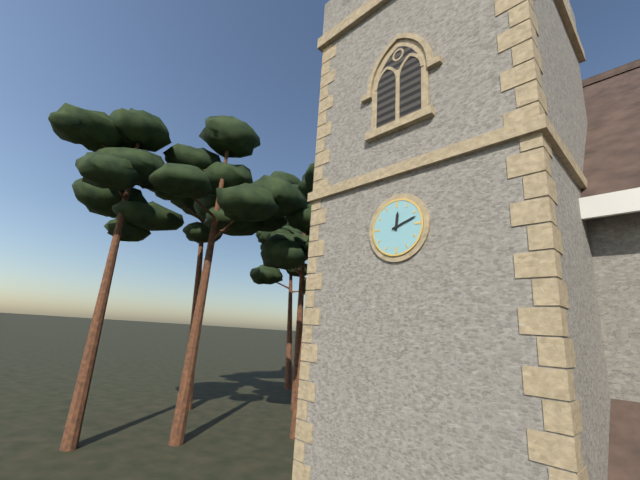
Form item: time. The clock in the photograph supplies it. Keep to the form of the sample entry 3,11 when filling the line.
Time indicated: 12,12
